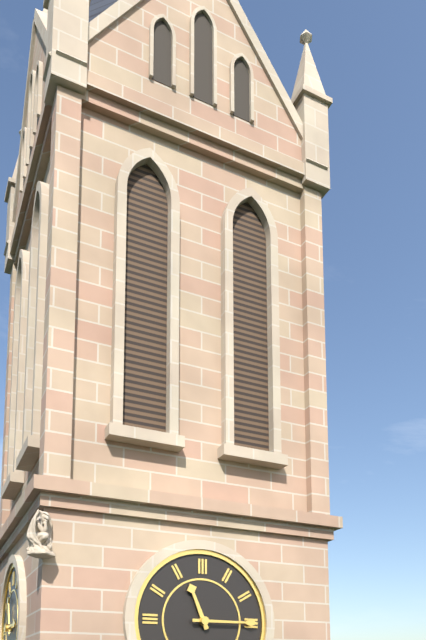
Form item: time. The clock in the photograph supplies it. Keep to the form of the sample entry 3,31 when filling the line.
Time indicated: 11,15
